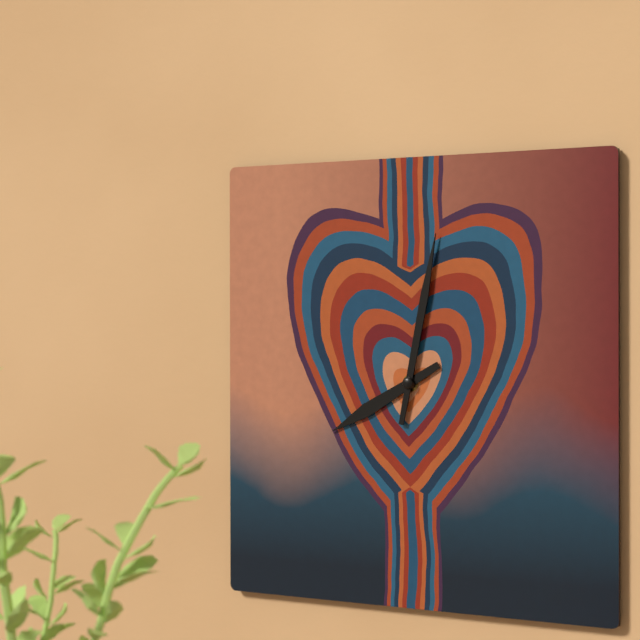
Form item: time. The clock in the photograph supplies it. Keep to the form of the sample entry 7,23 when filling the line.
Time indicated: 8,02
